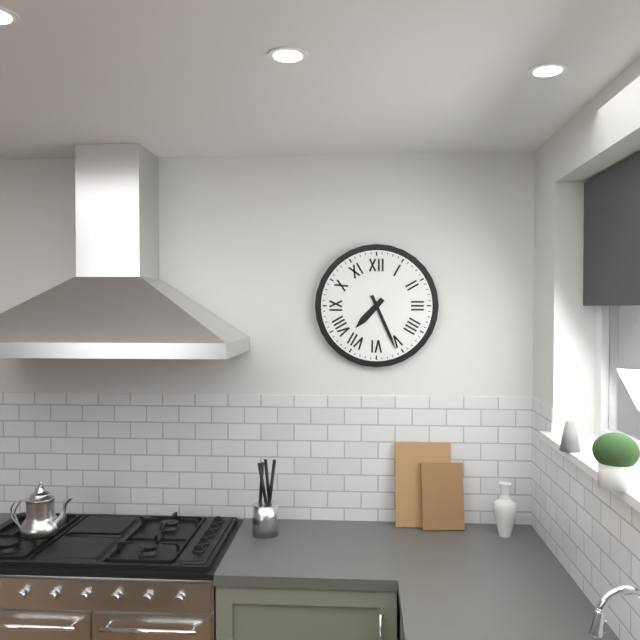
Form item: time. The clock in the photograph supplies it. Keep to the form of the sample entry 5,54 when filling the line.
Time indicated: 7,26
